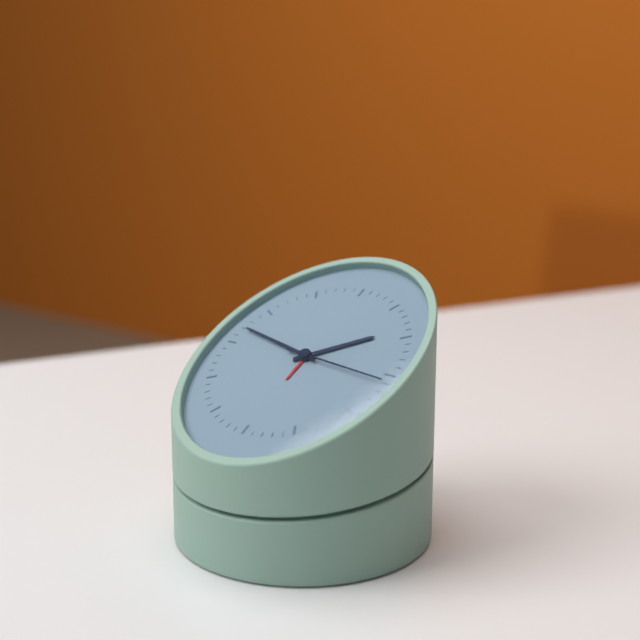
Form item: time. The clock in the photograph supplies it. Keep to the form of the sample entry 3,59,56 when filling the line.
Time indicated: 1,47,16
